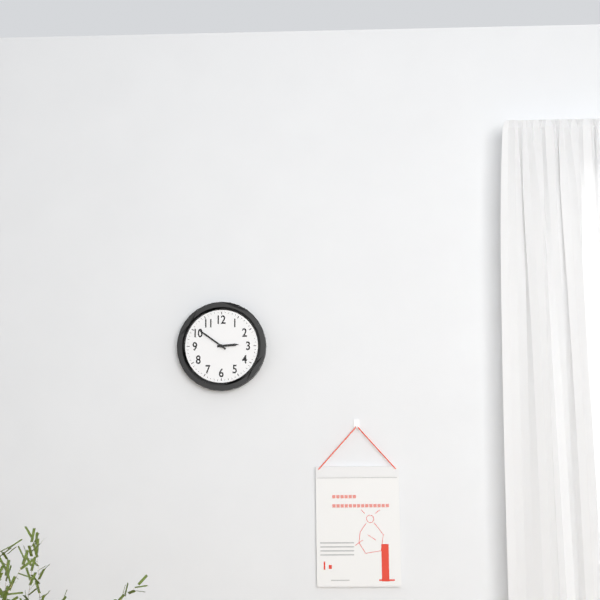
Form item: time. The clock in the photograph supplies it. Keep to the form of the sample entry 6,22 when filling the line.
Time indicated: 2,51
